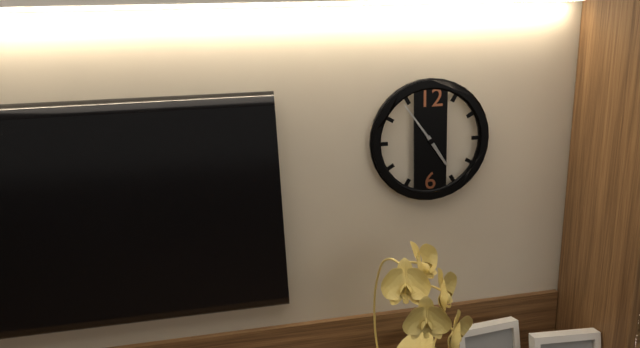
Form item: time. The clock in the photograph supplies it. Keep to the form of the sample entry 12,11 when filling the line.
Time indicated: 4,54
